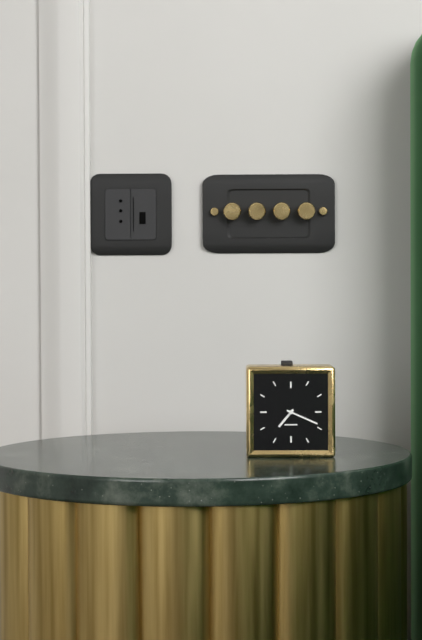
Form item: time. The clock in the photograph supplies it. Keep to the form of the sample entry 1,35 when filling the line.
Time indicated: 7,19
